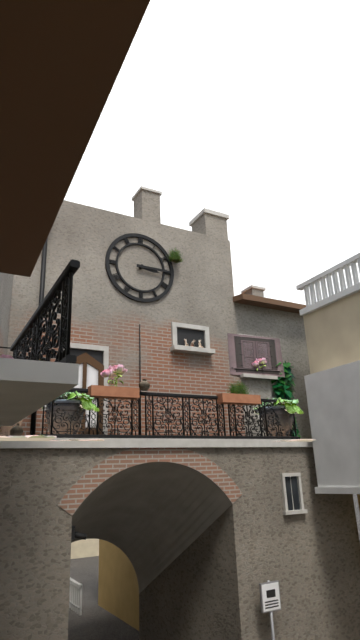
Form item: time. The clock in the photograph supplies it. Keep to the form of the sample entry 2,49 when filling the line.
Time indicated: 3,15
